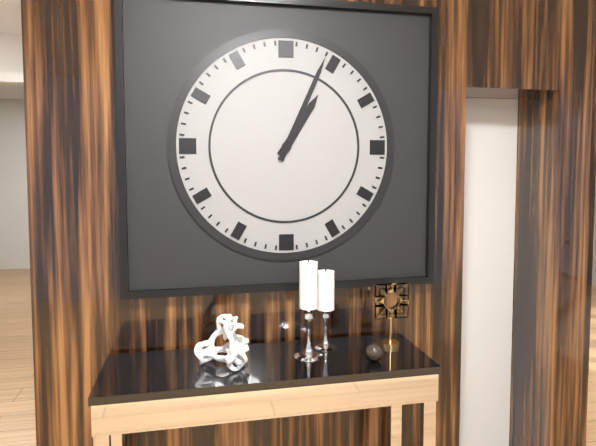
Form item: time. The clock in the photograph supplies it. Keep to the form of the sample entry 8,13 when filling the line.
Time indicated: 1,04
